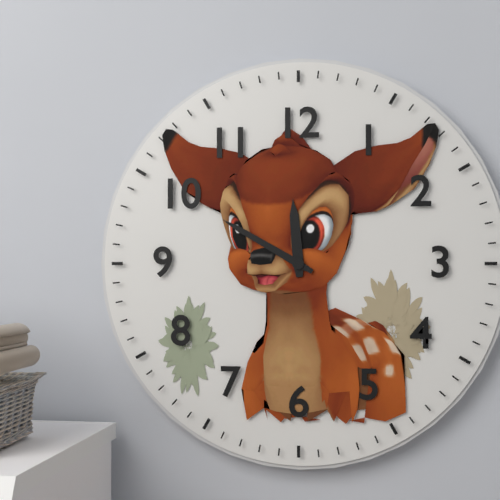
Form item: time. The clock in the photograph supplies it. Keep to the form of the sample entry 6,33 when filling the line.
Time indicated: 11,50
